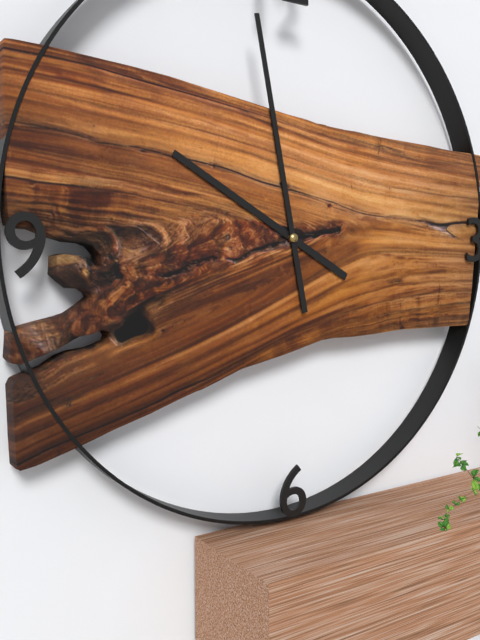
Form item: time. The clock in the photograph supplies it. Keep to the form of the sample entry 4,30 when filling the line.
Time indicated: 9,58
